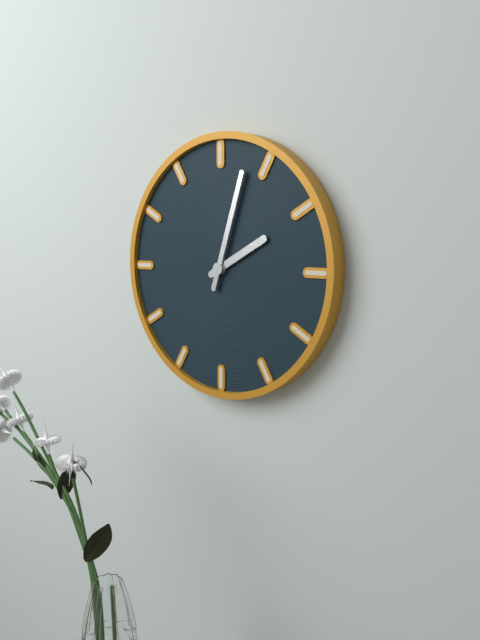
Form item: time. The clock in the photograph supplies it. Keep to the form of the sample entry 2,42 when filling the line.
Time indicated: 2,03
